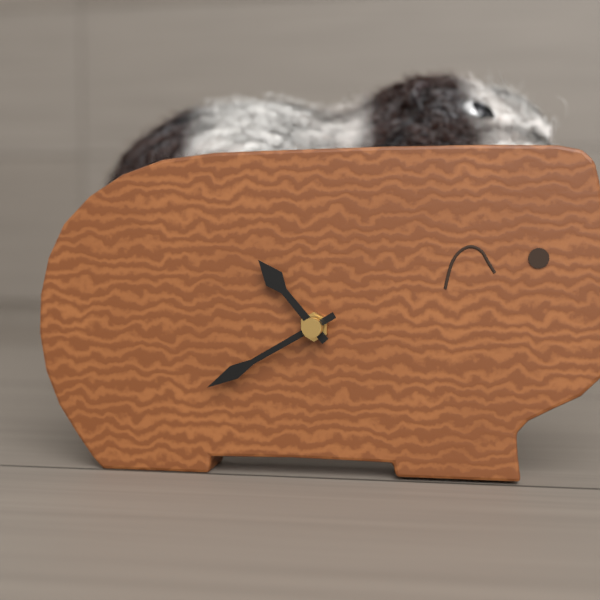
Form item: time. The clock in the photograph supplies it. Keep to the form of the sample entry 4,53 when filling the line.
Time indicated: 10,40
